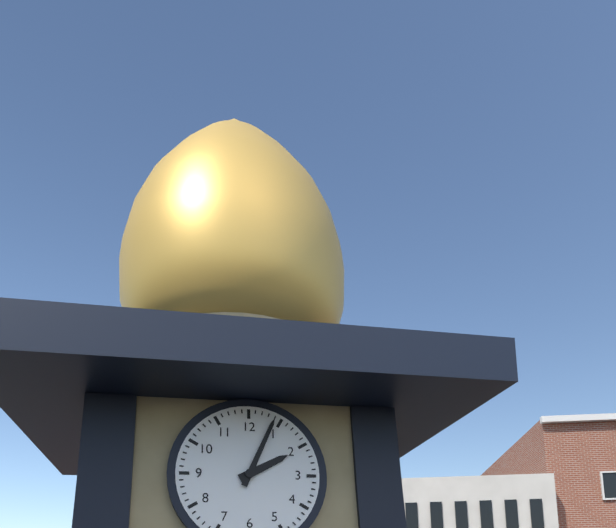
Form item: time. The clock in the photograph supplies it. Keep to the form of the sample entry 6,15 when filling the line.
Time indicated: 2,04
